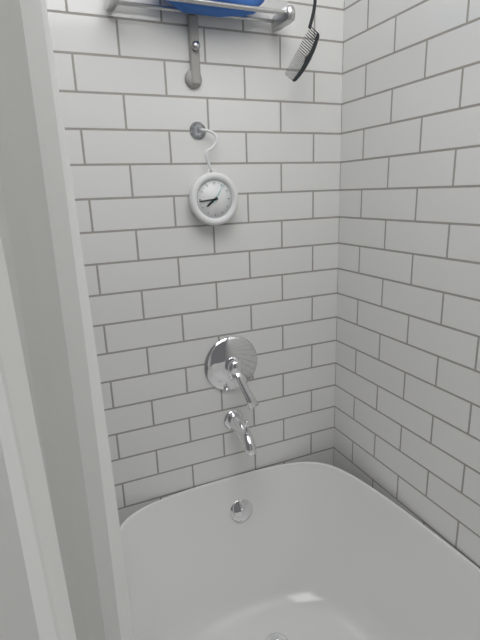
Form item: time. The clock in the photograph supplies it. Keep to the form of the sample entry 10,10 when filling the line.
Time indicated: 7,44
